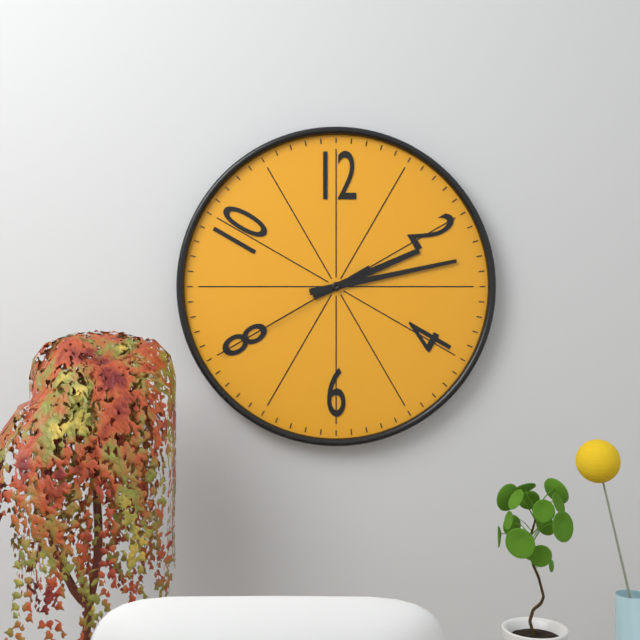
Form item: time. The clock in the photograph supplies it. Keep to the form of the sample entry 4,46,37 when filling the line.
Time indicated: 2,13,40
